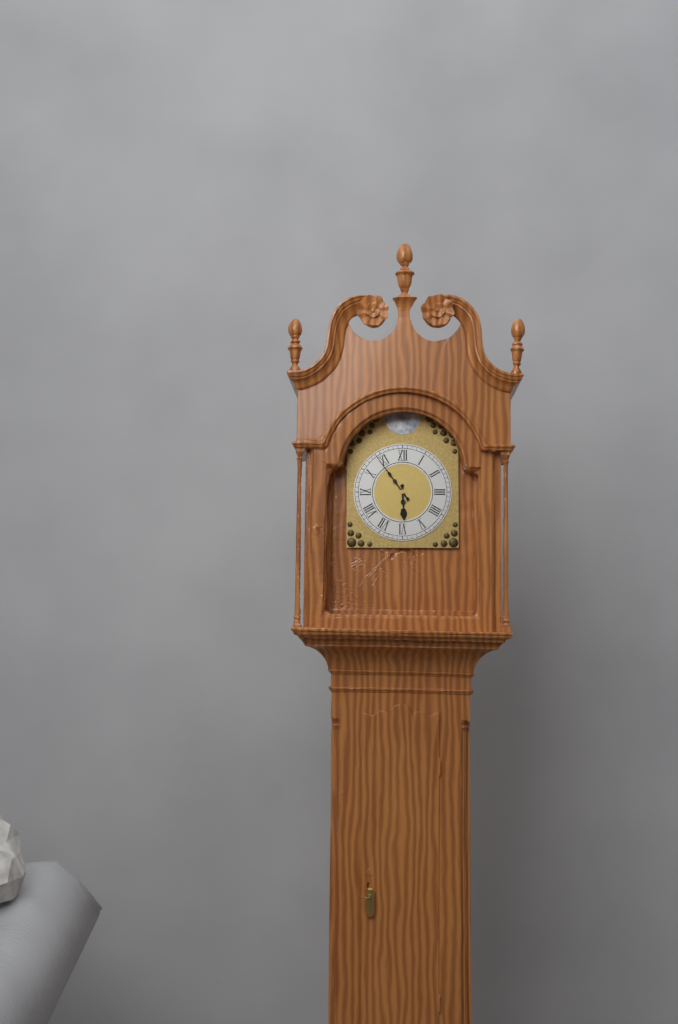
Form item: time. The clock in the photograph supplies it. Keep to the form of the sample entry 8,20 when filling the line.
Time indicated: 5,54
